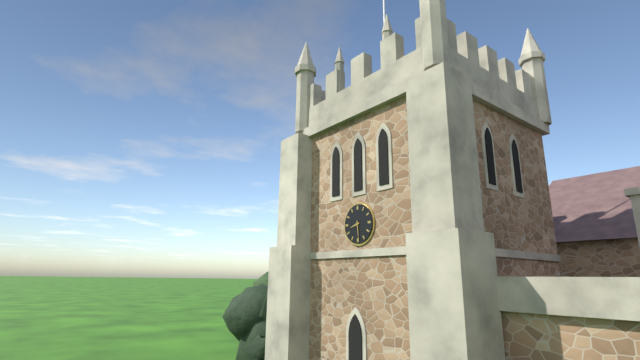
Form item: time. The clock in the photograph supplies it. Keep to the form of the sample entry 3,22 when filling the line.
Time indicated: 8,29
